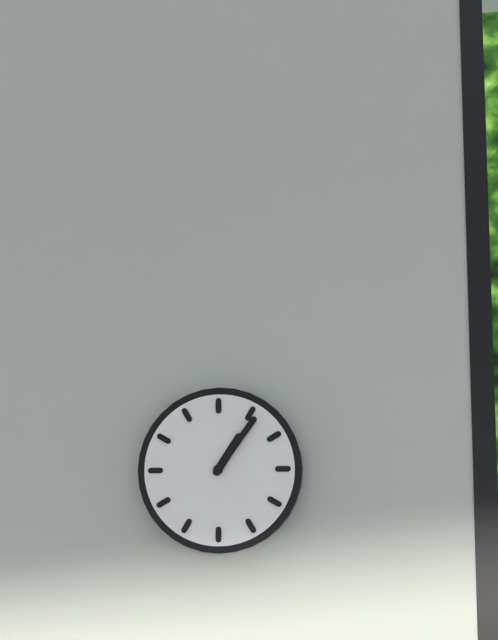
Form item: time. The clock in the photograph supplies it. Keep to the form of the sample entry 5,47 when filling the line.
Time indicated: 1,06
